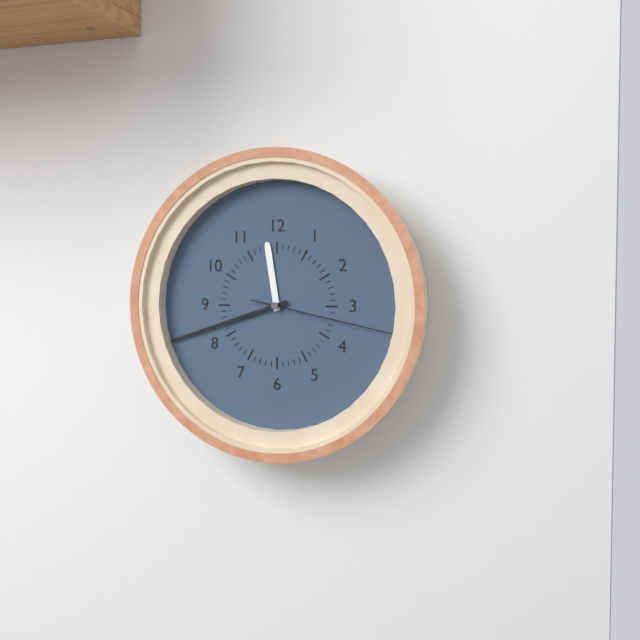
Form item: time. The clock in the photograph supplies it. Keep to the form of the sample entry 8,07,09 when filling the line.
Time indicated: 11,42,17
